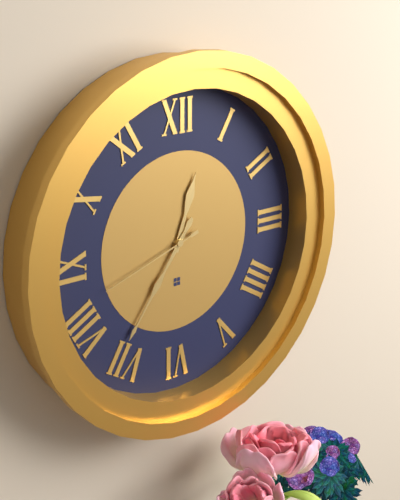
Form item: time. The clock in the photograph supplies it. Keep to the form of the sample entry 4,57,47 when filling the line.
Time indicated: 12,36,42
